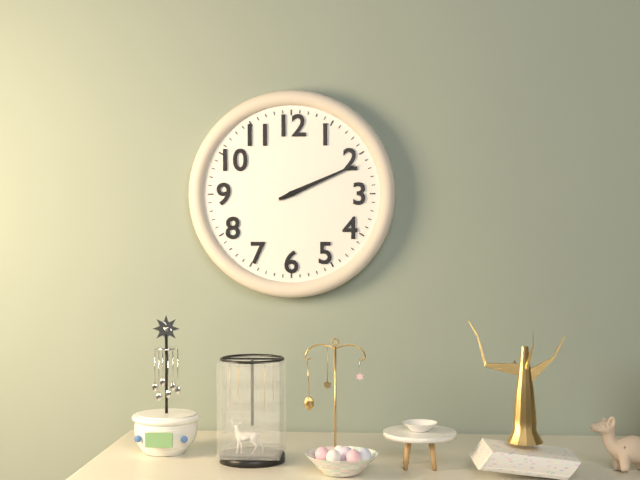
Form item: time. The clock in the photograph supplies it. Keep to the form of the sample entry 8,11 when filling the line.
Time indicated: 2,11
